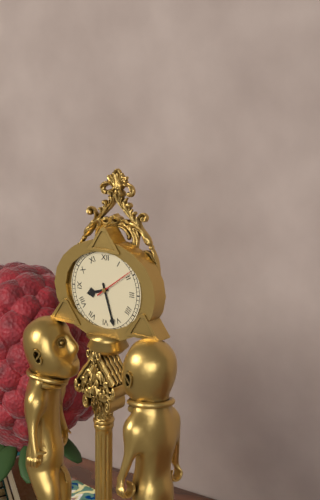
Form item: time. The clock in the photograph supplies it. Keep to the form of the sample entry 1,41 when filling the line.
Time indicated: 8,27
